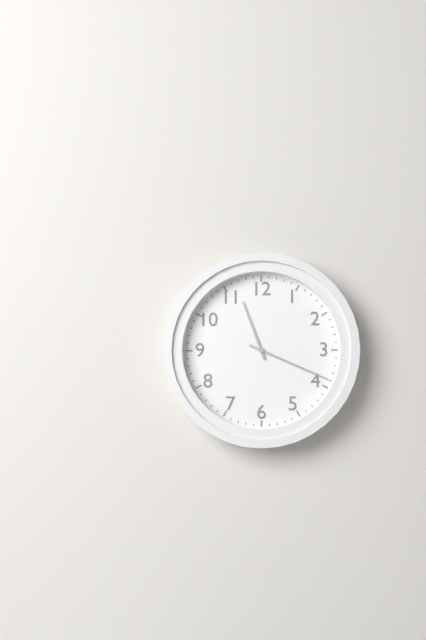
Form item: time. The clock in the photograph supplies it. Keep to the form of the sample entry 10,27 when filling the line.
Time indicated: 11,19
